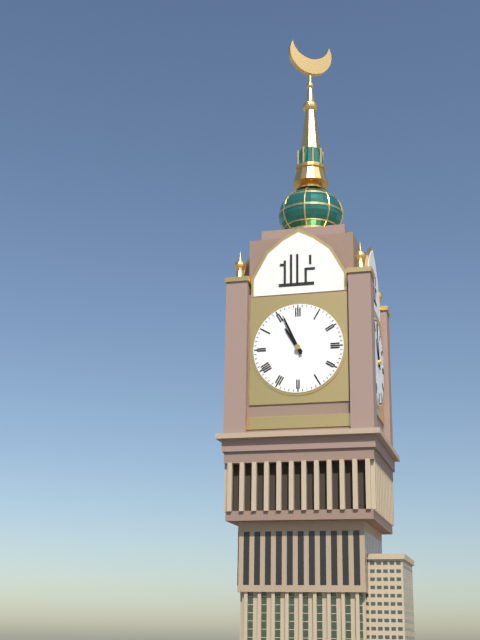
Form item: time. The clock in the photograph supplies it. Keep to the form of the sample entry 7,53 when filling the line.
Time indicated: 10,56
